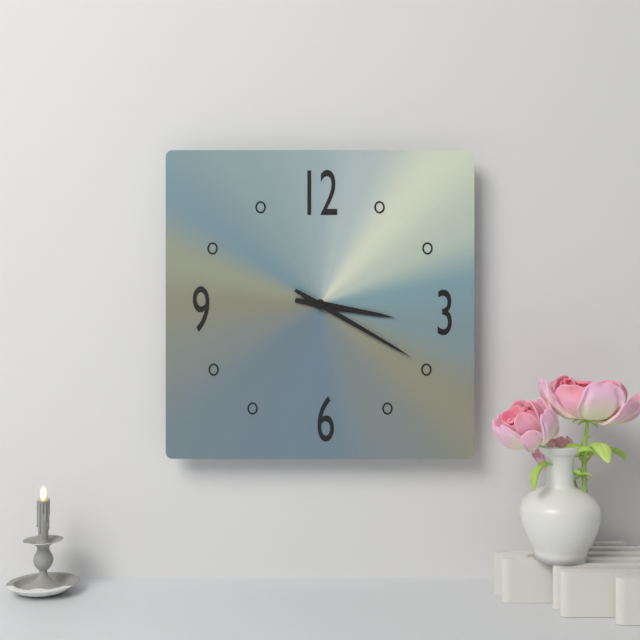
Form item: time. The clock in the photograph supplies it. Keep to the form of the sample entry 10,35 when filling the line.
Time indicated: 3,20
